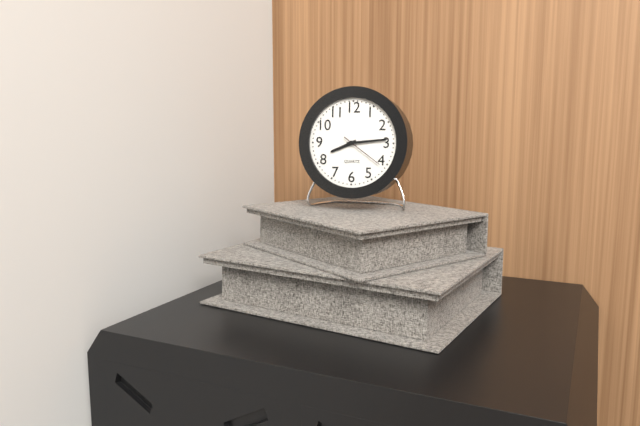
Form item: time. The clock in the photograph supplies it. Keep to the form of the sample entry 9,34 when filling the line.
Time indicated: 8,14
